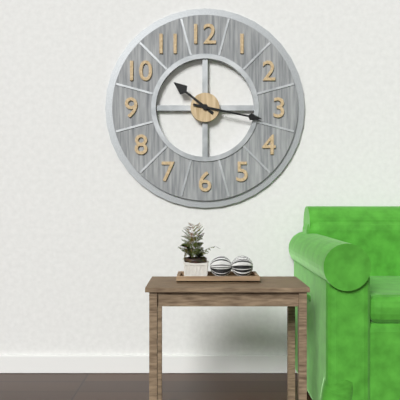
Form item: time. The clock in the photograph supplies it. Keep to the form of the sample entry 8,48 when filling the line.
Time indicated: 10,17
